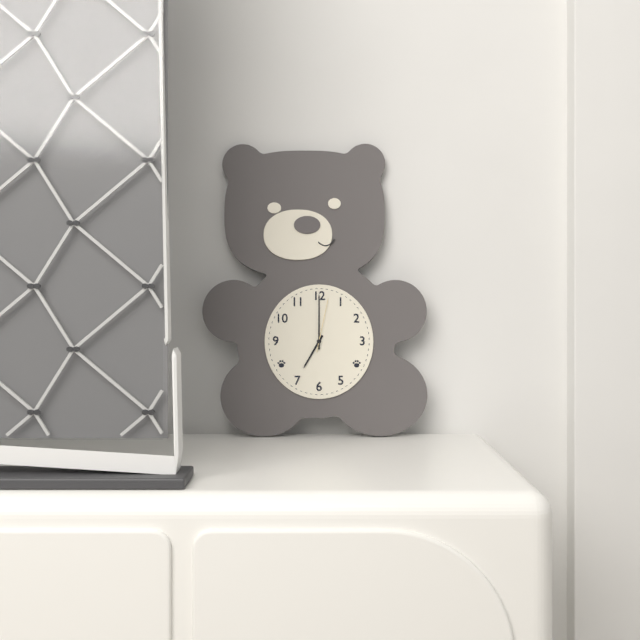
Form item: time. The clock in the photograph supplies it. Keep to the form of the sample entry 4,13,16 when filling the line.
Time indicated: 7,00,02
